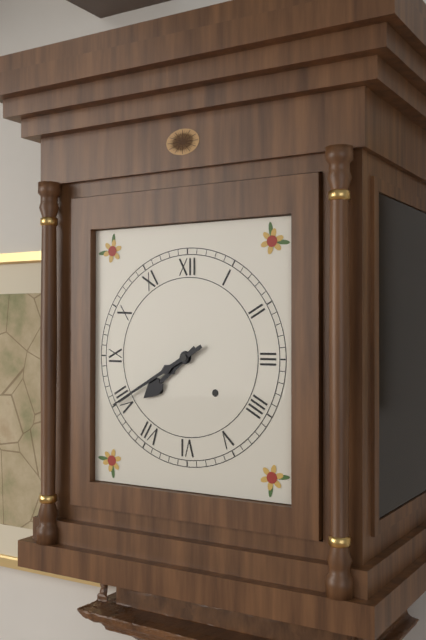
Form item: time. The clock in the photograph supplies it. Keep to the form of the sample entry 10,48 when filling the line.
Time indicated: 7,40
